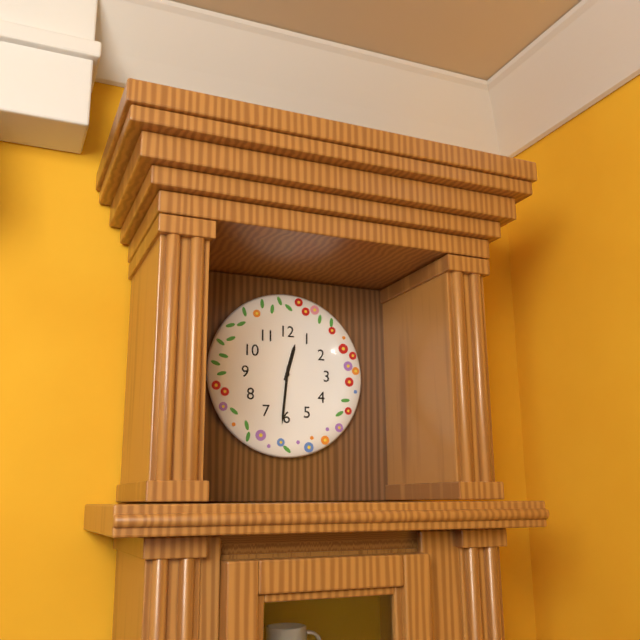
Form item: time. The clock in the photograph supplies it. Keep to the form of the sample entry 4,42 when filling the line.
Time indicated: 12,31
